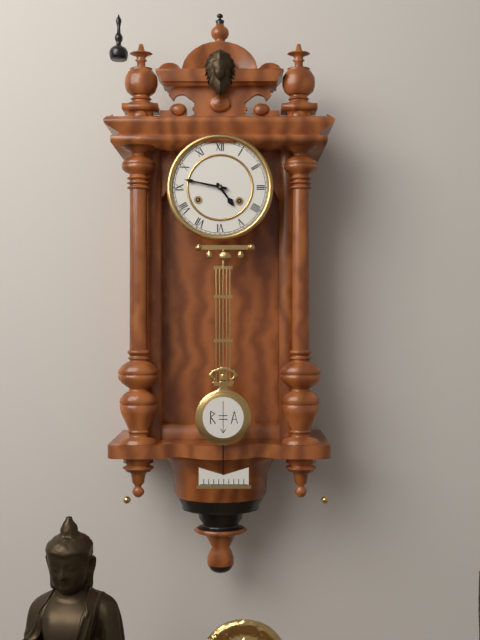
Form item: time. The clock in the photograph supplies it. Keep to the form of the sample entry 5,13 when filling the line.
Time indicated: 4,47
